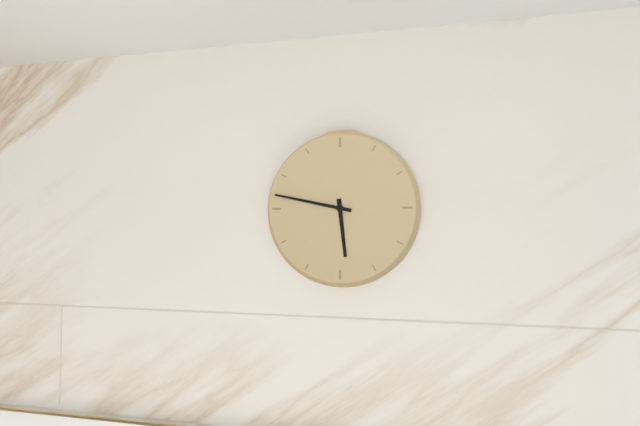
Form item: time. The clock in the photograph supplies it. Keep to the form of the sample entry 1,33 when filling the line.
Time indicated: 5,47
